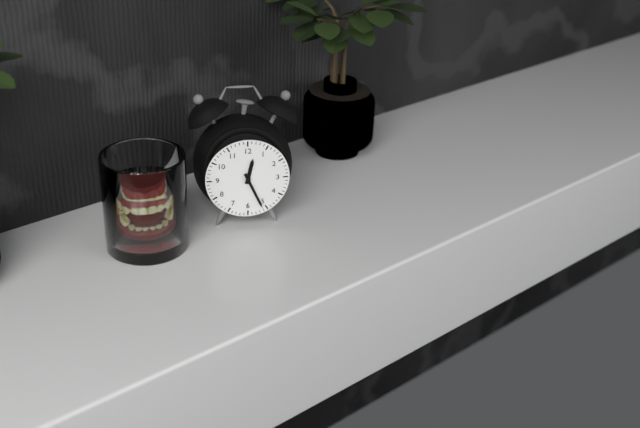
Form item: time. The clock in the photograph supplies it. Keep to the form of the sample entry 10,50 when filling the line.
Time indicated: 12,26
